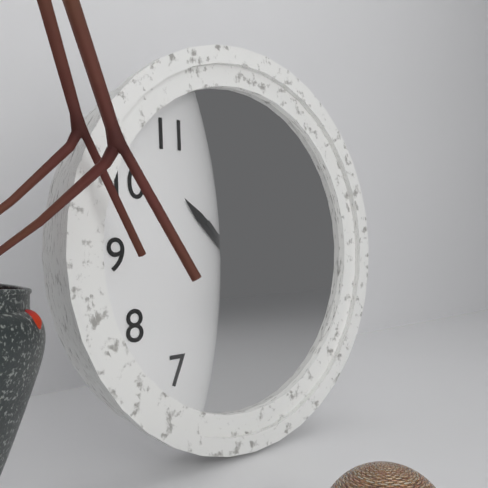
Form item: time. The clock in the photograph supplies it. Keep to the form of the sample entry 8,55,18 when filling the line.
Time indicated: 10,30,23
